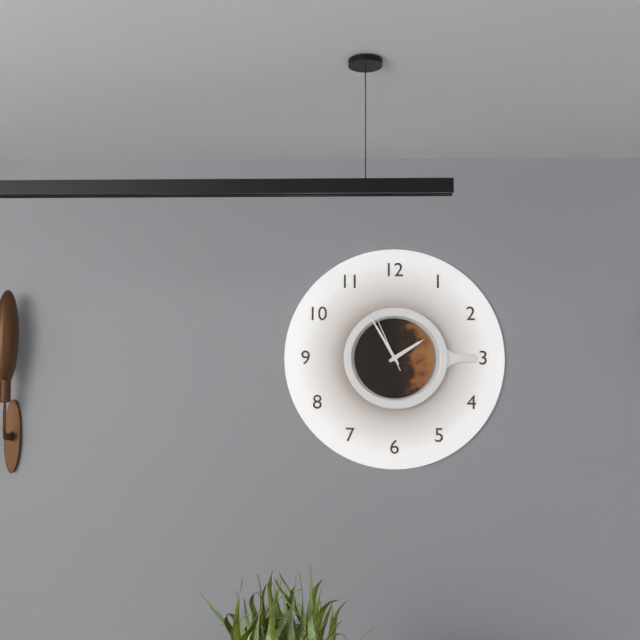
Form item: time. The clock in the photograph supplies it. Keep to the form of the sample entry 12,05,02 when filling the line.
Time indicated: 1,55,56
